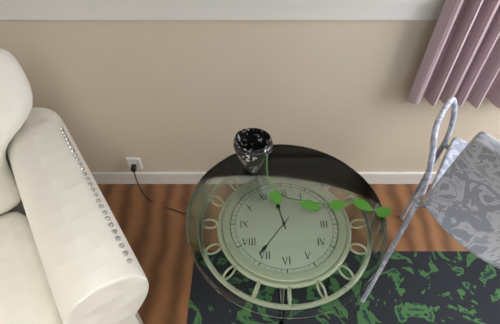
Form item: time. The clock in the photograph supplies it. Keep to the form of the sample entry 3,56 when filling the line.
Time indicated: 11,36
